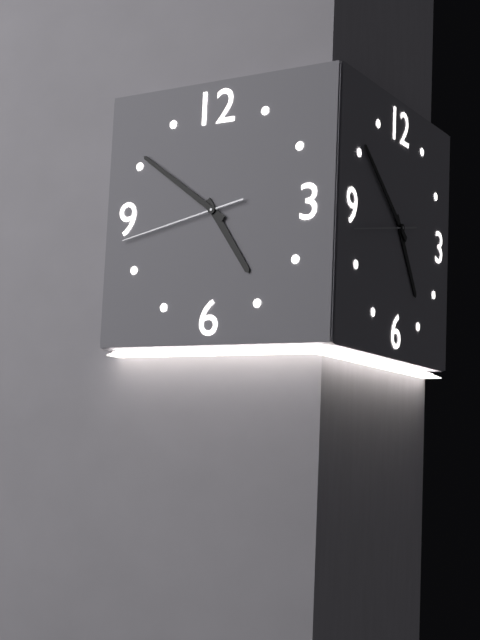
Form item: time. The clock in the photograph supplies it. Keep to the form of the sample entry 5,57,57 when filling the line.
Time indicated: 4,51,43
